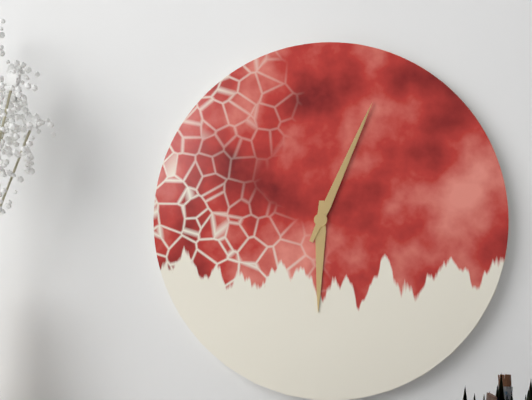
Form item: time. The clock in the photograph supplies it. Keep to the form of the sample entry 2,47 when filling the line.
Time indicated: 6,04
